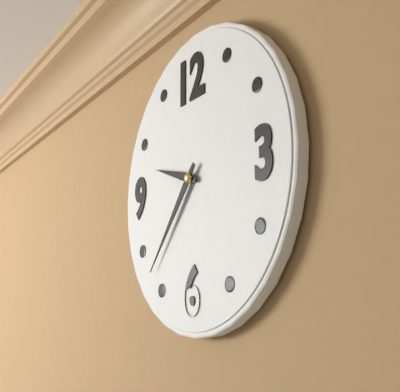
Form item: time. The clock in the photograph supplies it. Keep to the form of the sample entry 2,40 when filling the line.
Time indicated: 9,37
